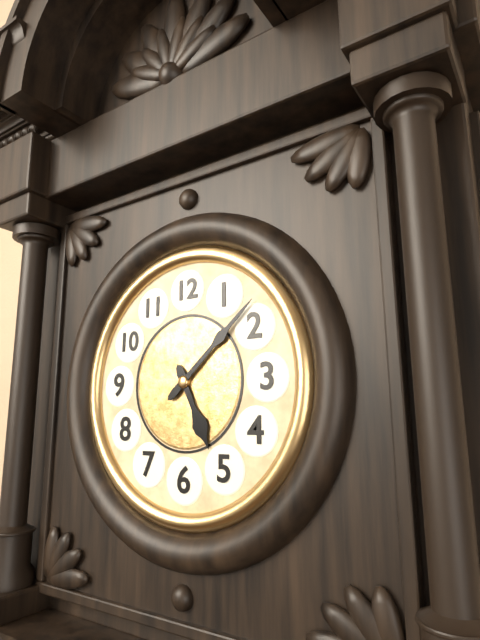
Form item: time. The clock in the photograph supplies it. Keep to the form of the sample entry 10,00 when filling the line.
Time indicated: 5,08
